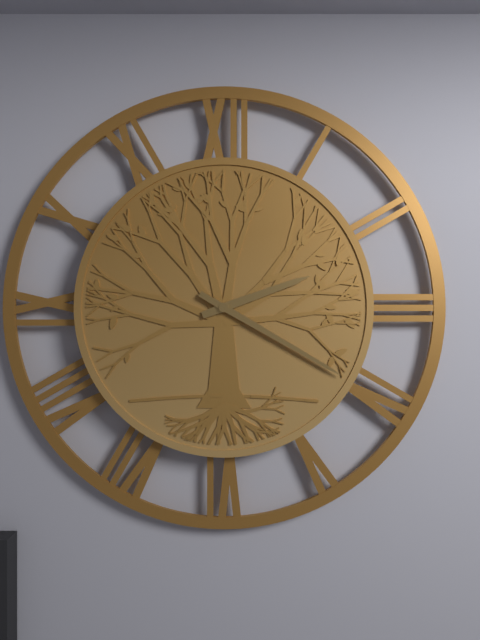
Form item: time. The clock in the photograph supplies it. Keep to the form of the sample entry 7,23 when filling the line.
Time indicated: 2,20
